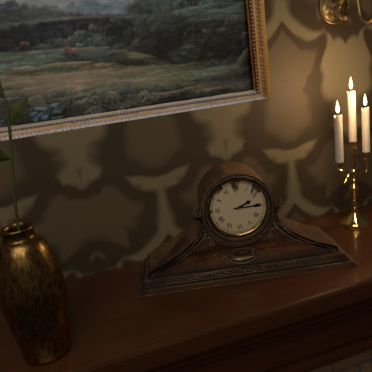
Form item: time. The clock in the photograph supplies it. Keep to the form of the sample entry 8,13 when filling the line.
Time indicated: 2,15
